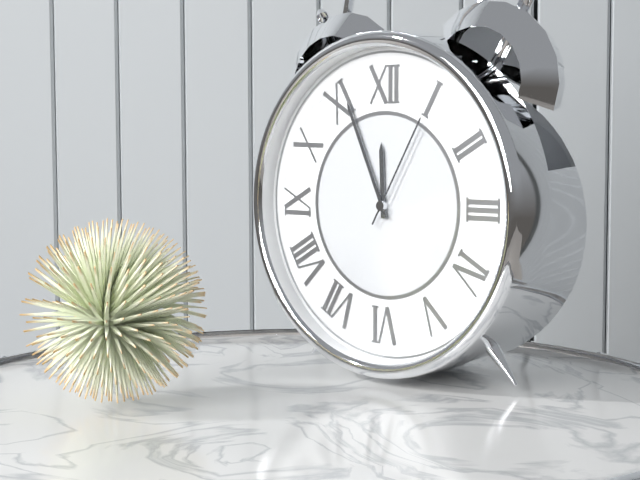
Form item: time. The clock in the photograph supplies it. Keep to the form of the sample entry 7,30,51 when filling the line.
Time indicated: 11,56,05
